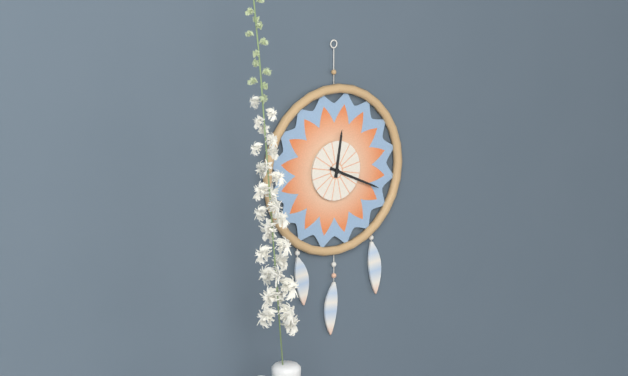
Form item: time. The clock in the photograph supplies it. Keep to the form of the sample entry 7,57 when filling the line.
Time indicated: 12,19
